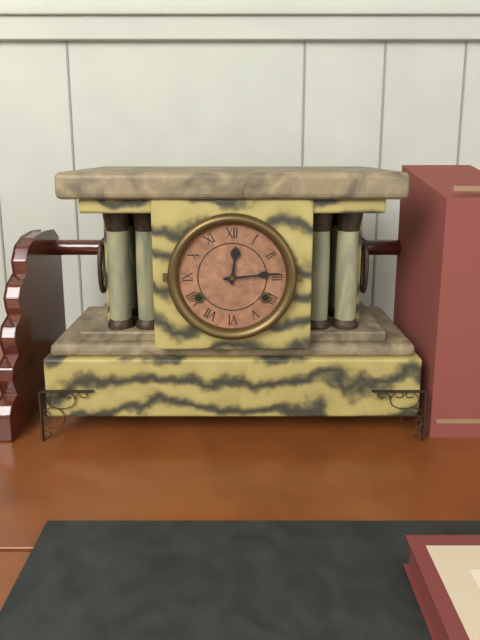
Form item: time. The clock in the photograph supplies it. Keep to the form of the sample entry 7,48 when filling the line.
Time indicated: 12,14
